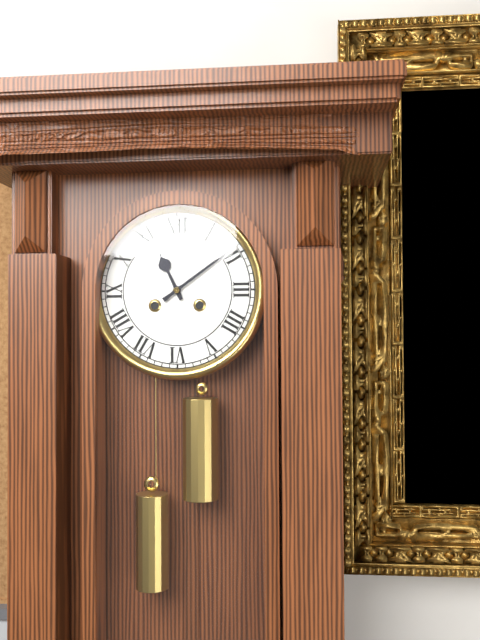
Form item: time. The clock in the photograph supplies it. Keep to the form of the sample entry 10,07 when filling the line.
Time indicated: 11,09
